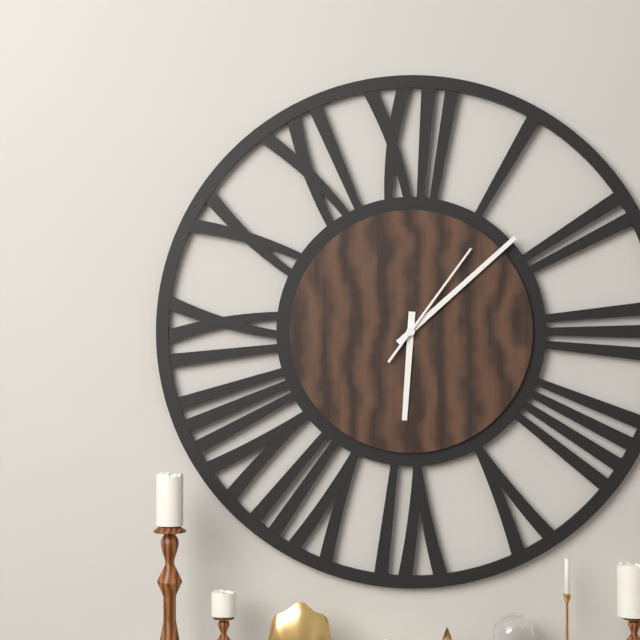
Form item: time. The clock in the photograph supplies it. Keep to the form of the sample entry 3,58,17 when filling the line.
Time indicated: 6,08,06
